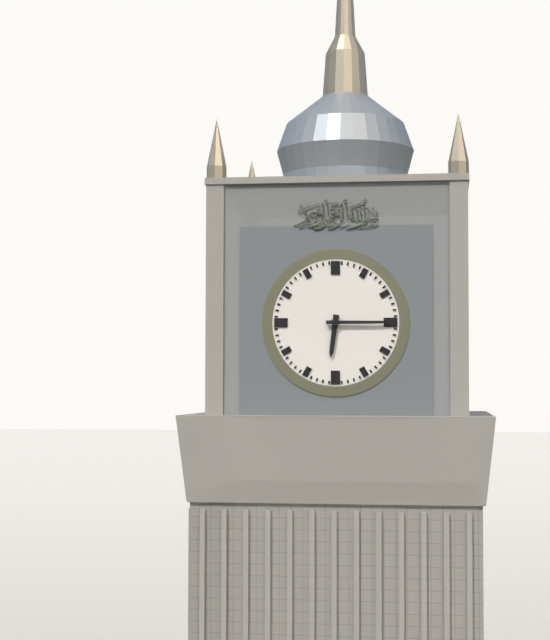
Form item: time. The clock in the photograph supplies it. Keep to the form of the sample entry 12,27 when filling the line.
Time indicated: 6,15
